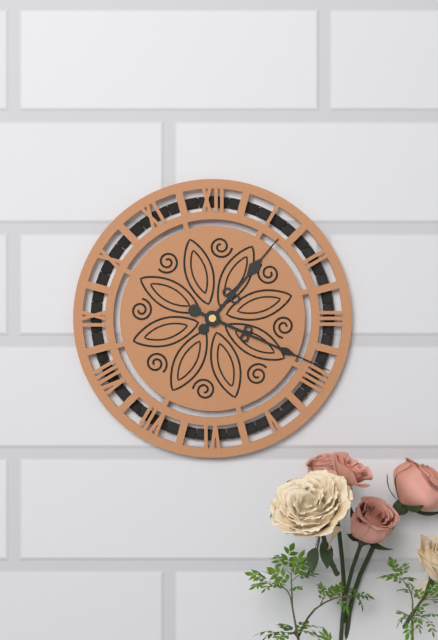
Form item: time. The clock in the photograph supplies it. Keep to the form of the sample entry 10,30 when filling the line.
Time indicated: 1,19
